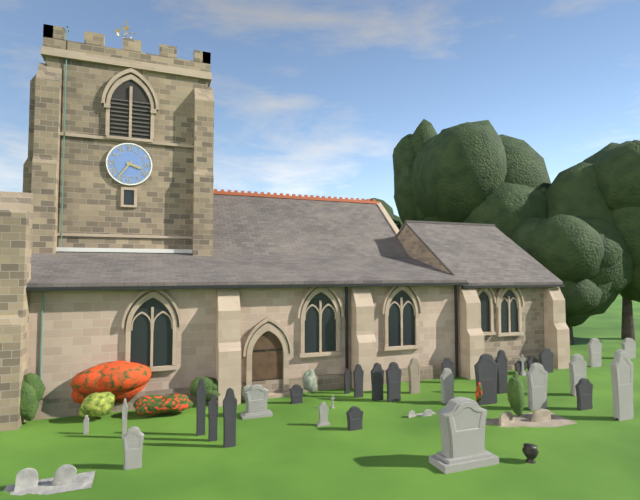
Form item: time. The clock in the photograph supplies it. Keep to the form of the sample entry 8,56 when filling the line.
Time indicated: 3,36
